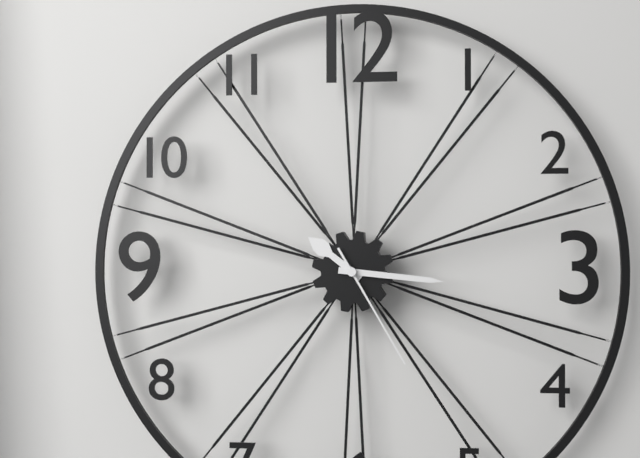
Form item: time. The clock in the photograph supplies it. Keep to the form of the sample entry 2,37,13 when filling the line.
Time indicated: 10,16,25
